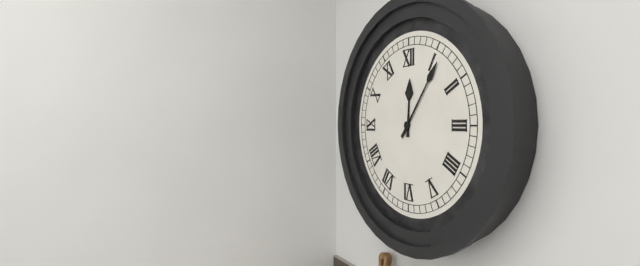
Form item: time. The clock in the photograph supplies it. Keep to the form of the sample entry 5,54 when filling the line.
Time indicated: 12,06
